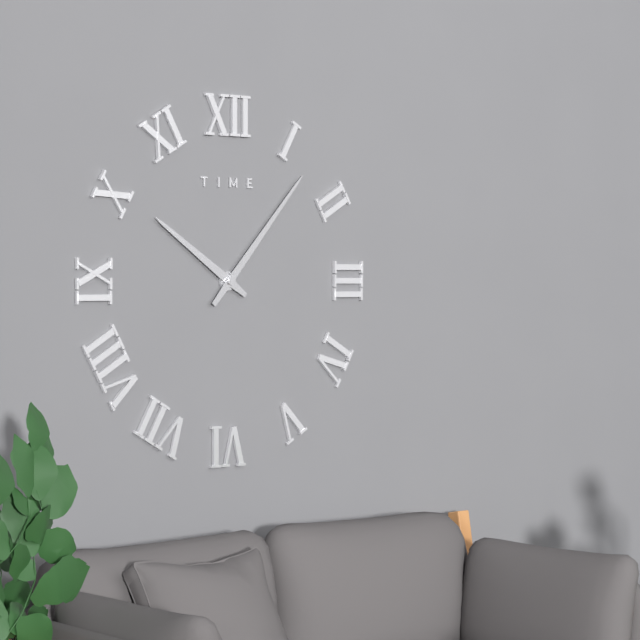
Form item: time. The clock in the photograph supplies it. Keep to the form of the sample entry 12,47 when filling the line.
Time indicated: 10,07
